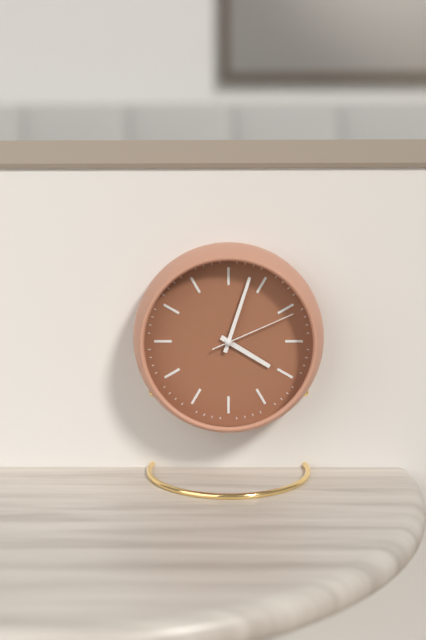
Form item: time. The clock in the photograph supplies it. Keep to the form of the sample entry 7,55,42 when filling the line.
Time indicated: 4,03,11
